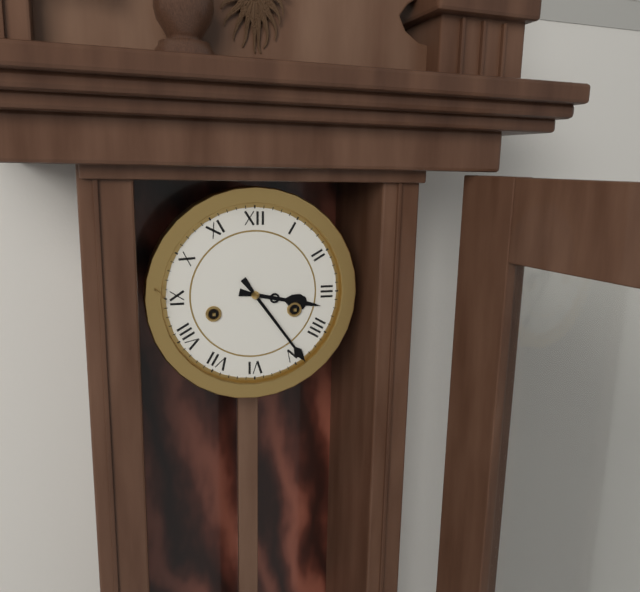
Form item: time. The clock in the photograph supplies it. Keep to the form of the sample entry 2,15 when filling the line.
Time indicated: 3,24
